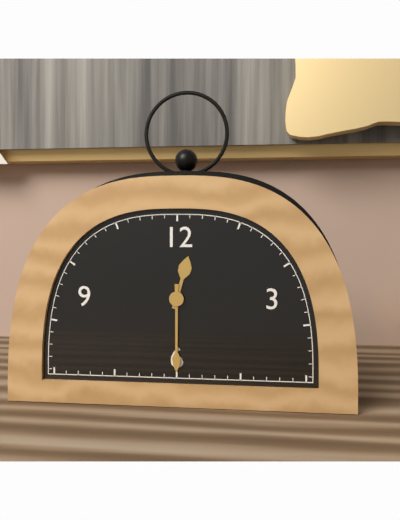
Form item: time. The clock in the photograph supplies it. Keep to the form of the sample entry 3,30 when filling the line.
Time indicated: 12,30
